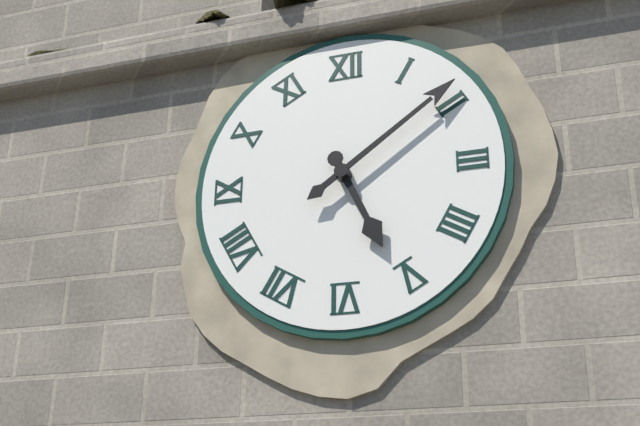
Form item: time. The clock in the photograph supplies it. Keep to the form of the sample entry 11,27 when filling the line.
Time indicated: 5,09
